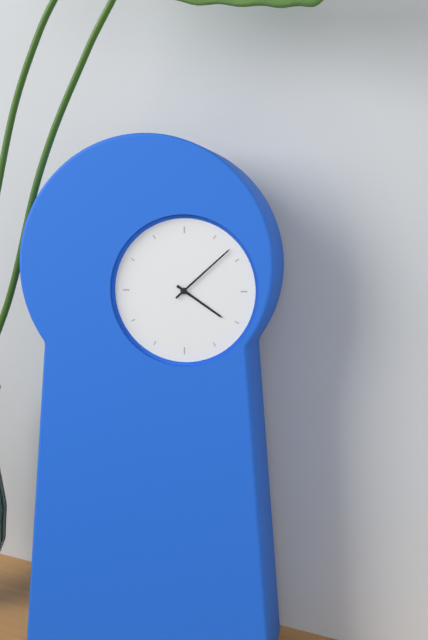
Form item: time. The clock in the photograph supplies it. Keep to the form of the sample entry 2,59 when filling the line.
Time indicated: 4,08
